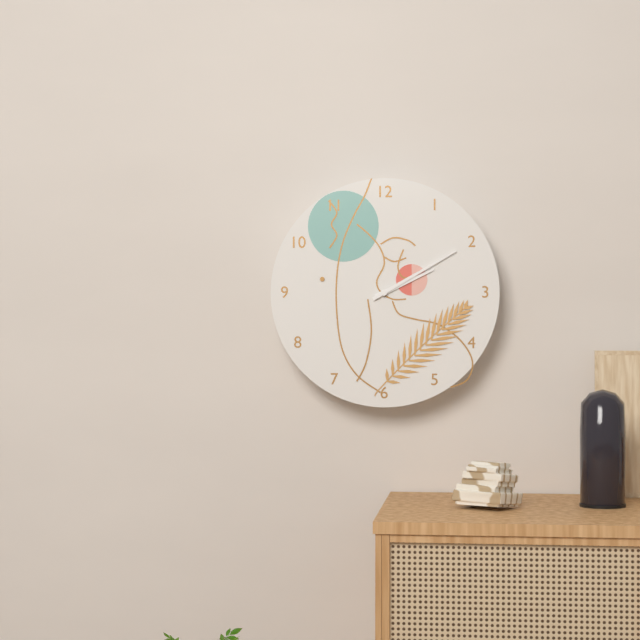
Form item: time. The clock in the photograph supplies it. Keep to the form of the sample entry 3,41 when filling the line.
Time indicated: 2,10
